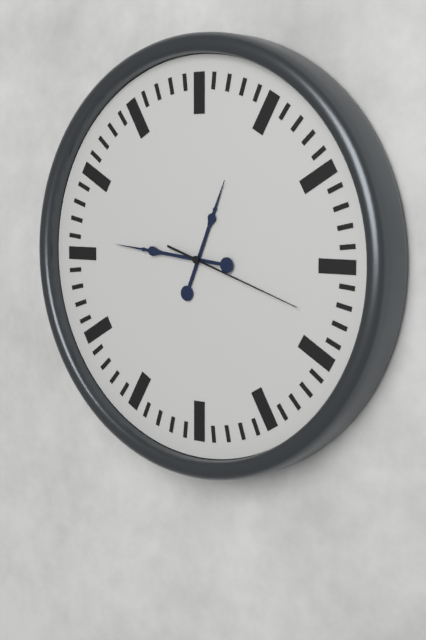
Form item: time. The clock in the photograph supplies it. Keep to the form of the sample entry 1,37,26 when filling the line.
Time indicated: 12,46,18
